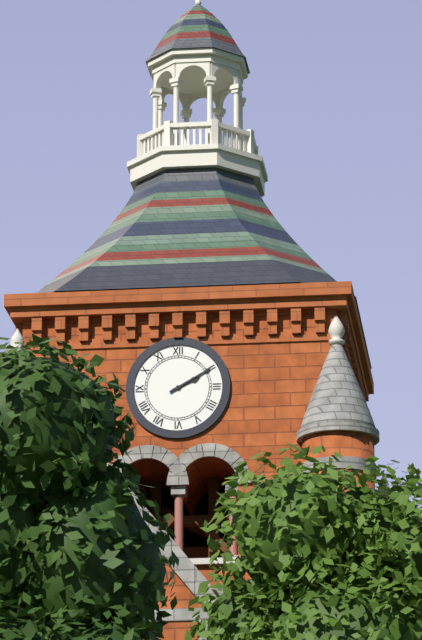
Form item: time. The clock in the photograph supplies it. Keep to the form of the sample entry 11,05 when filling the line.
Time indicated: 2,10
